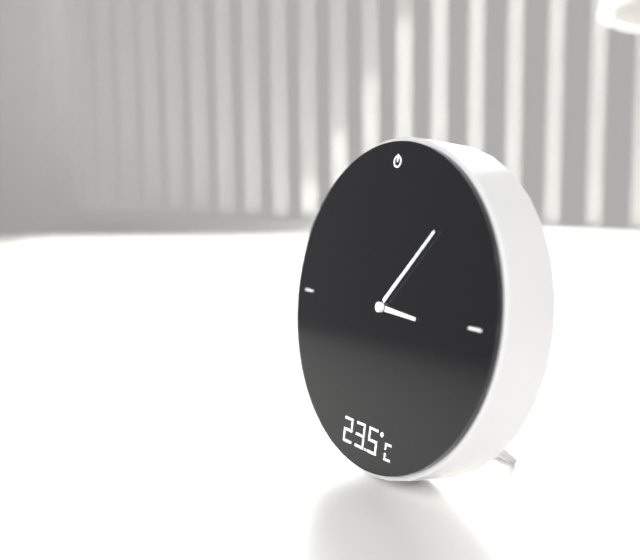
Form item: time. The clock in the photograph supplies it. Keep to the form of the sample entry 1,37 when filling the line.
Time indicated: 3,07
